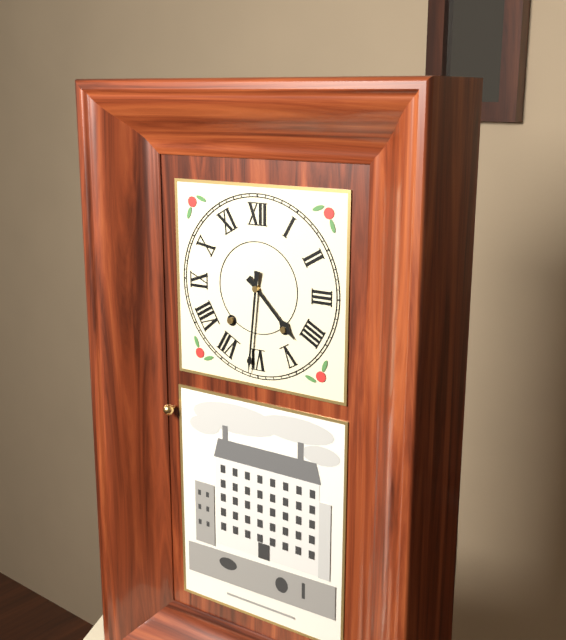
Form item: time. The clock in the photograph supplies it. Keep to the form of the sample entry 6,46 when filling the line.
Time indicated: 4,31
